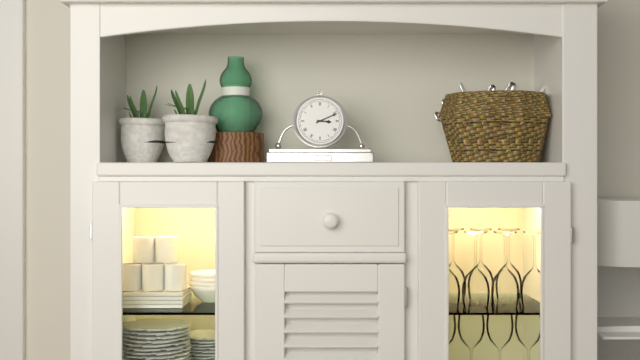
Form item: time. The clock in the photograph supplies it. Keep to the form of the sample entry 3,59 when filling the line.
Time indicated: 3,11
